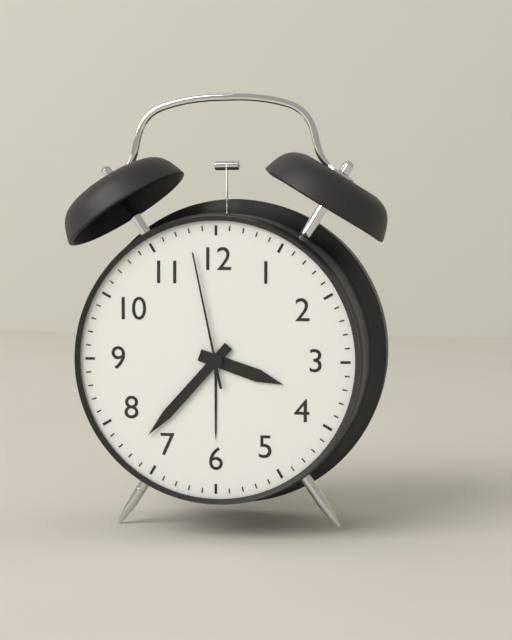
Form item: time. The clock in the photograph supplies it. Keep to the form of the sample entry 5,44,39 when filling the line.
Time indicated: 3,37,58
